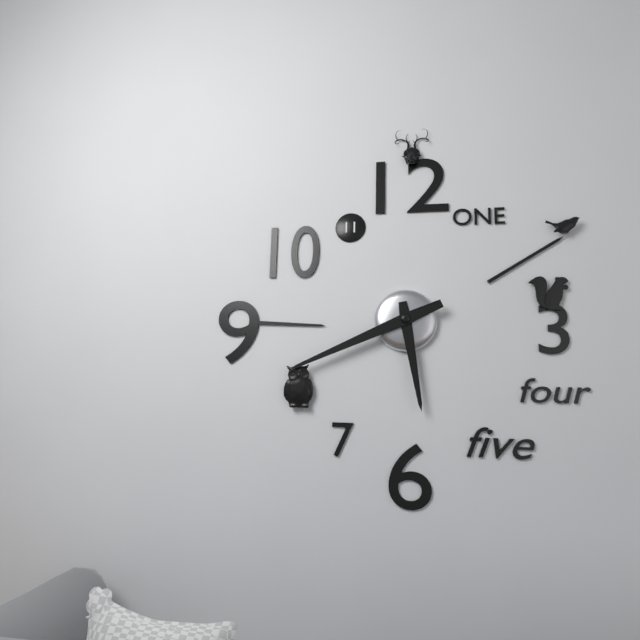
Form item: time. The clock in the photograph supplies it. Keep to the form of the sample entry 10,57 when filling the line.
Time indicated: 5,41
